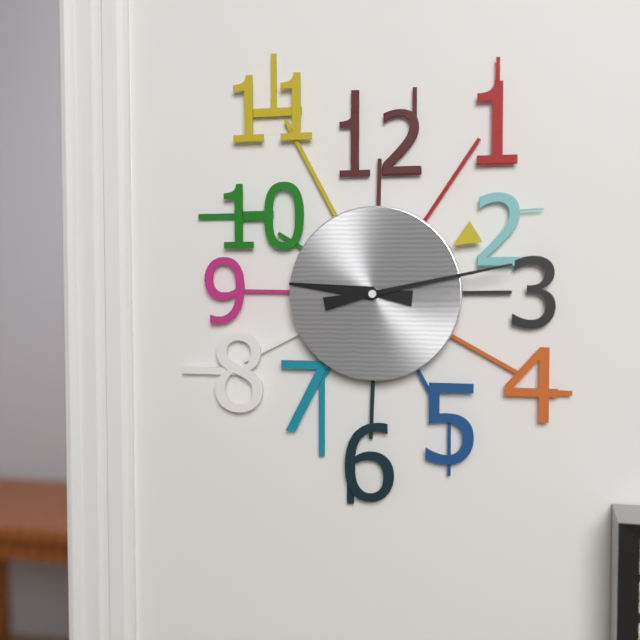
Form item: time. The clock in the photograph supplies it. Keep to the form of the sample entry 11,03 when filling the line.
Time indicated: 9,13
